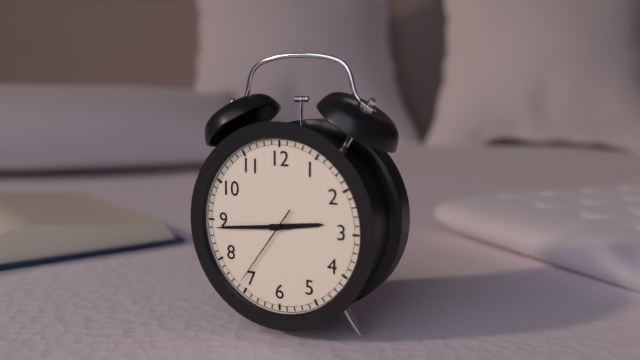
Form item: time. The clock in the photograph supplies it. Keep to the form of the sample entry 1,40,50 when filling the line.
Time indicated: 2,44,36
